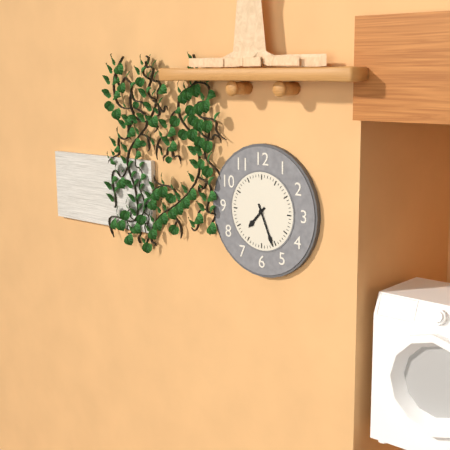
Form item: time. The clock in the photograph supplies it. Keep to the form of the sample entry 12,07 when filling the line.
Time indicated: 7,26
